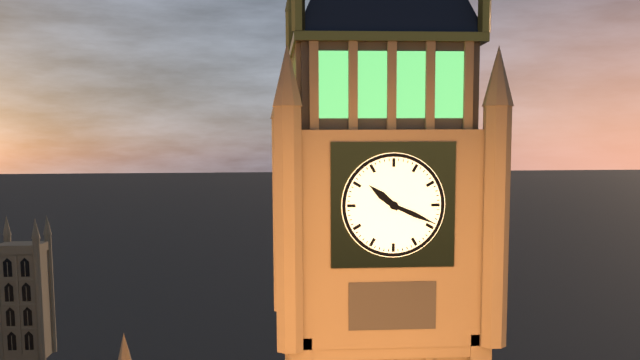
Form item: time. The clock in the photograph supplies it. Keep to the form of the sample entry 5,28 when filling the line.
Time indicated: 10,19
